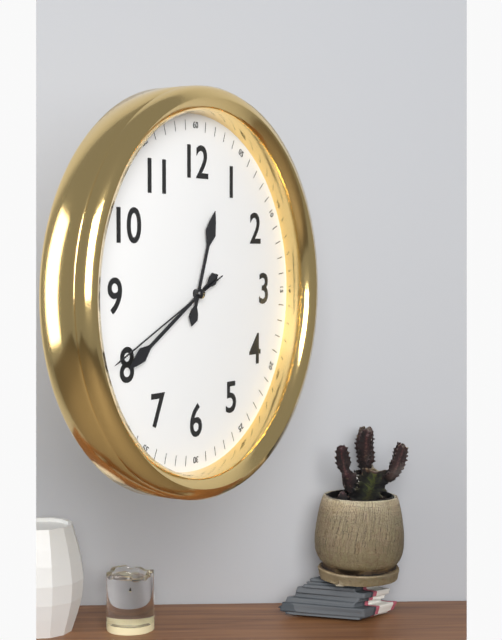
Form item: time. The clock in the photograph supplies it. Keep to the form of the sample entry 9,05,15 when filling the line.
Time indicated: 12,40,41
